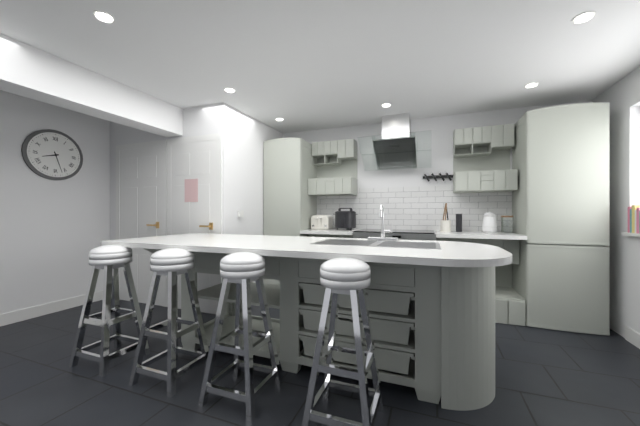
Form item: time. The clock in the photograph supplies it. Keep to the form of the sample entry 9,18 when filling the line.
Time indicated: 8,27
